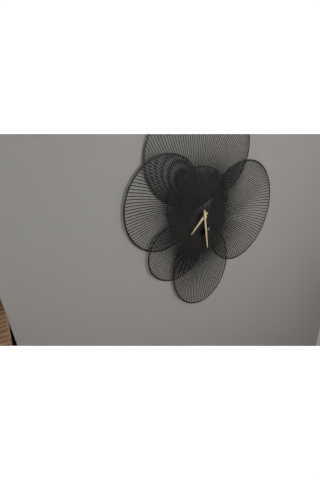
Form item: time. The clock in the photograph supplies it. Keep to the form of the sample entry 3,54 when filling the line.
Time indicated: 7,29
